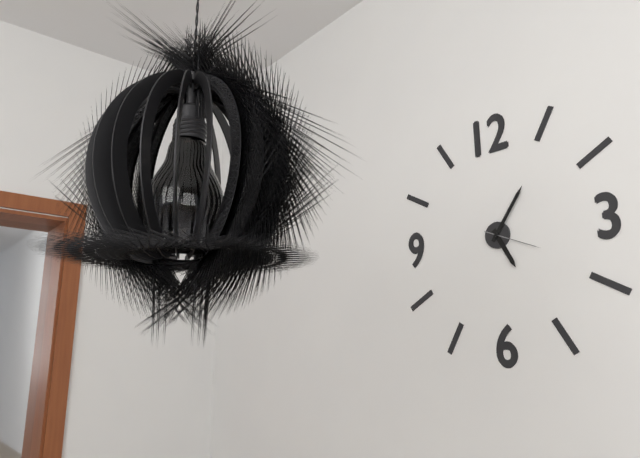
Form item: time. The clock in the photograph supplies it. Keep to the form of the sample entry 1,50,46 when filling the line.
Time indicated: 5,06,19
